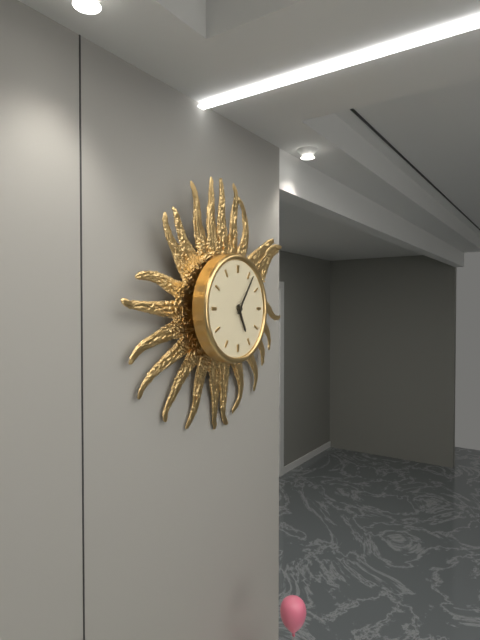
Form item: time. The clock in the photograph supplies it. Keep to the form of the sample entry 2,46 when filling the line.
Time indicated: 5,06
